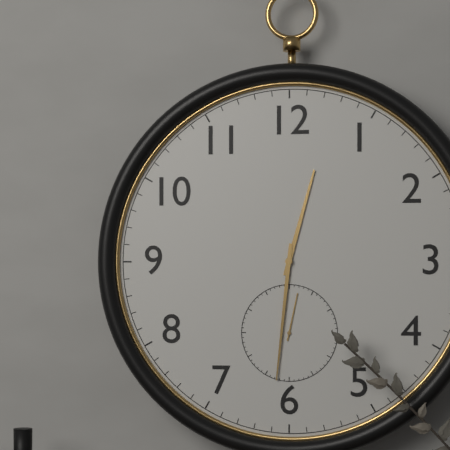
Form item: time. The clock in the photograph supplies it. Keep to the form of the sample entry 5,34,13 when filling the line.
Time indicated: 12,31,02
